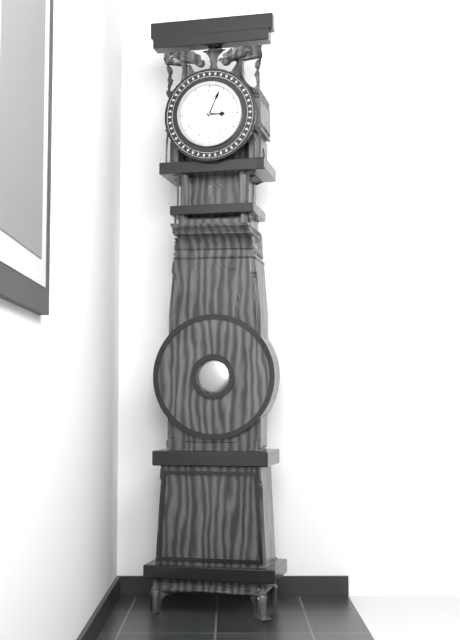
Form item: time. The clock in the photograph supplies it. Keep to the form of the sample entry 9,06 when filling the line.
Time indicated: 3,04
